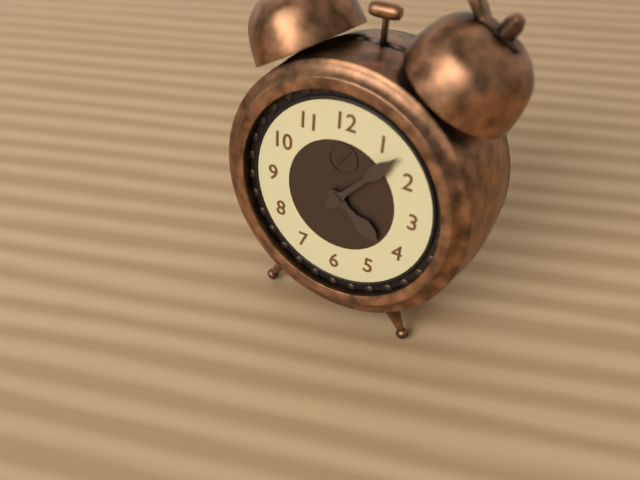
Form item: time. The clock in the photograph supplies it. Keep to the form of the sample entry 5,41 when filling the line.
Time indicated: 4,07
